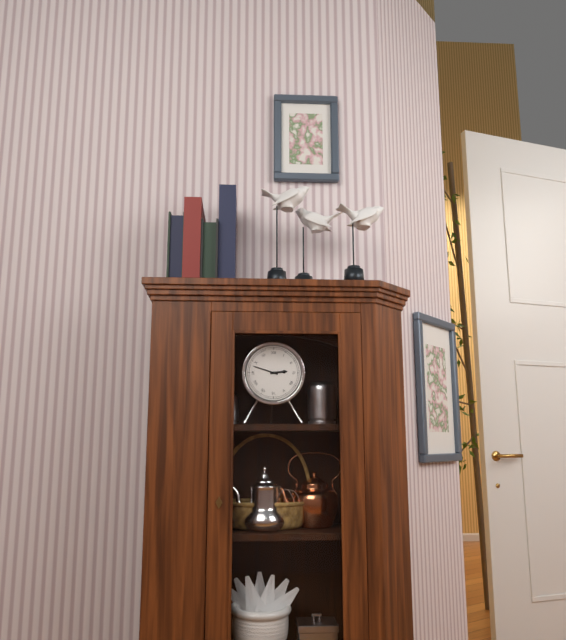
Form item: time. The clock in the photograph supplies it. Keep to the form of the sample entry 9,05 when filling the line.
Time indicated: 2,48
